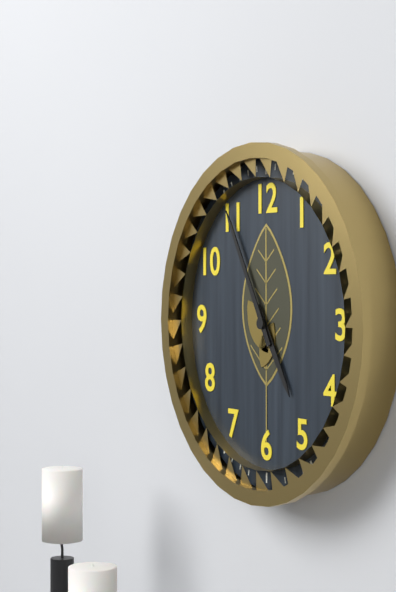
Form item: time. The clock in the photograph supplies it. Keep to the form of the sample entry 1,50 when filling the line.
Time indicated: 4,55
